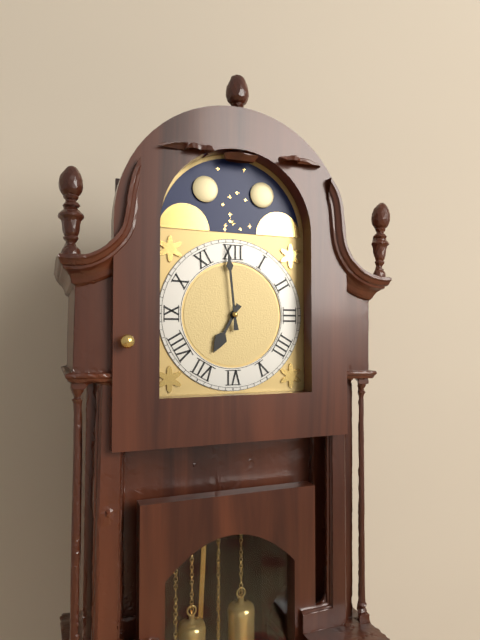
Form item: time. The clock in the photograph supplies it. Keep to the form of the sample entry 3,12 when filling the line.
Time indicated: 6,59
